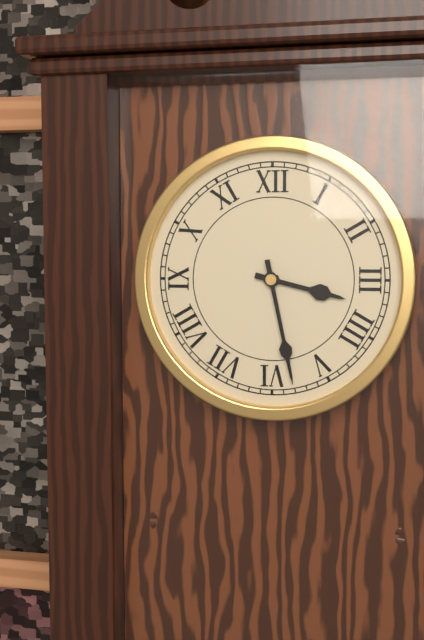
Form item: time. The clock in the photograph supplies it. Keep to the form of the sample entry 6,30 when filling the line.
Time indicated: 3,28
